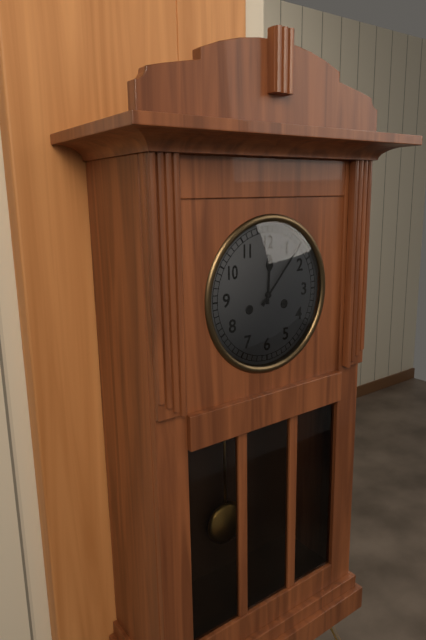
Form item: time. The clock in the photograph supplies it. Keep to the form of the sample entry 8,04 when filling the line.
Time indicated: 12,07
